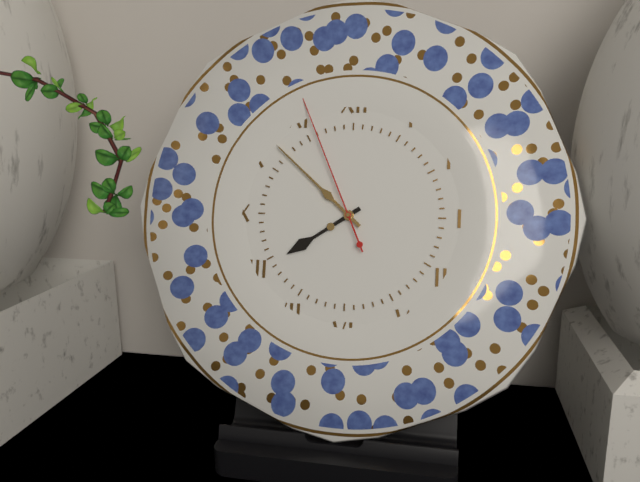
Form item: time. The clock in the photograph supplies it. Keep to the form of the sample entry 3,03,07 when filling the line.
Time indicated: 7,52,56
